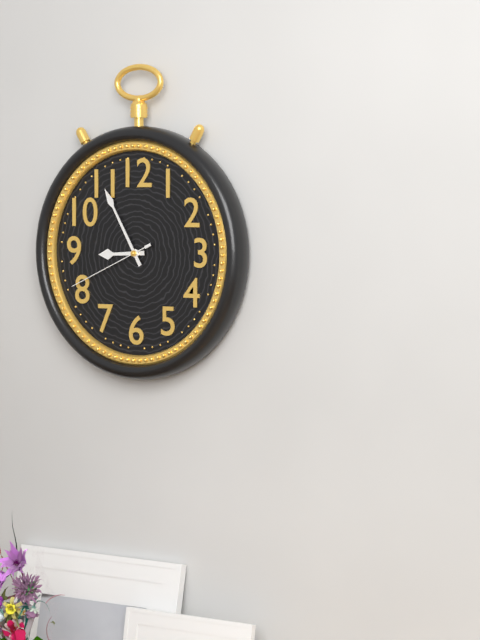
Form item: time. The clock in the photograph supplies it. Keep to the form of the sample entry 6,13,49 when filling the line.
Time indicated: 8,55,41
